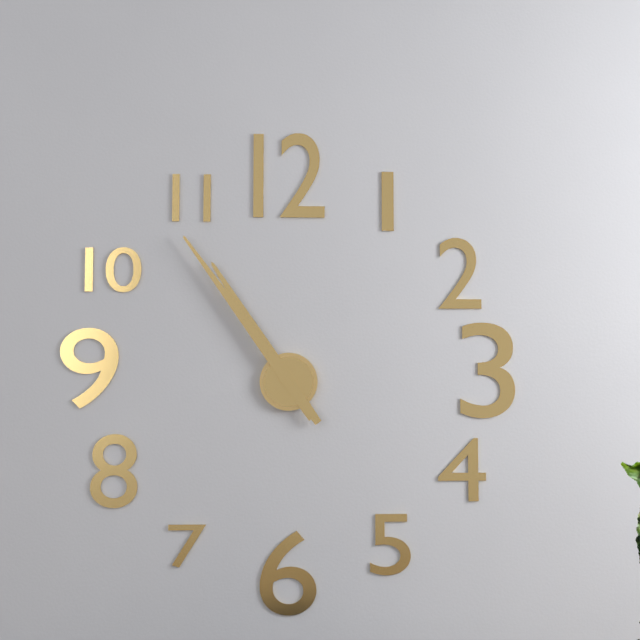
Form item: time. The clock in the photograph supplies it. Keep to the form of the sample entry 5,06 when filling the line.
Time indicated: 10,54
